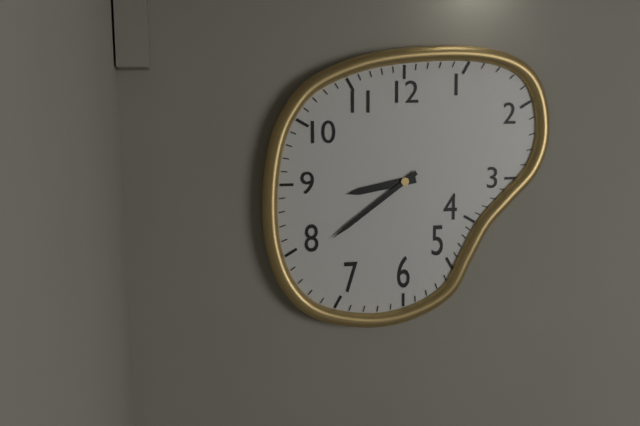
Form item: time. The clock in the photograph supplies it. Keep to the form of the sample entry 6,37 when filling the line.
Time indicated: 8,39
